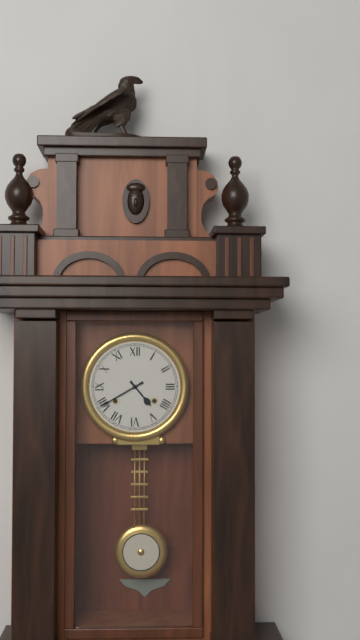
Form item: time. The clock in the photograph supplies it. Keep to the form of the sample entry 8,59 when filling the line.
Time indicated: 4,40
